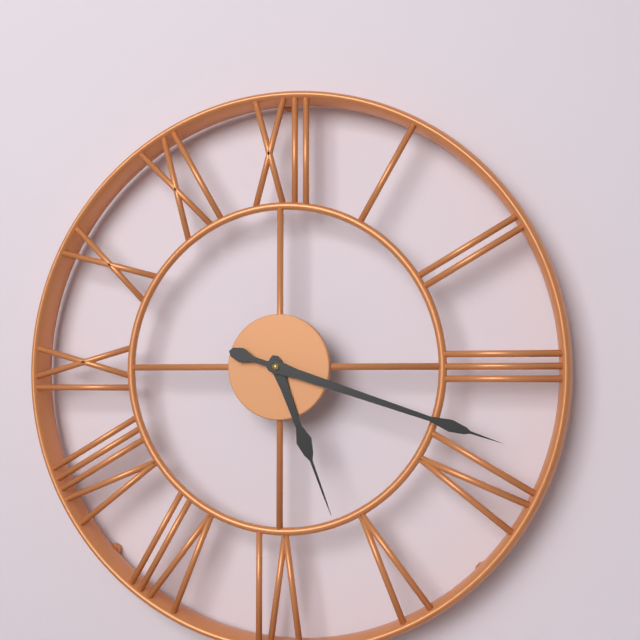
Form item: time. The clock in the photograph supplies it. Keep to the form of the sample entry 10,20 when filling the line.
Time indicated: 5,18
